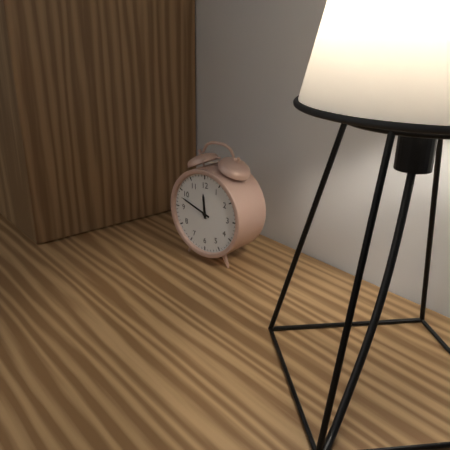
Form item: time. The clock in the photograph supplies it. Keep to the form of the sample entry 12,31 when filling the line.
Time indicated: 11,48
